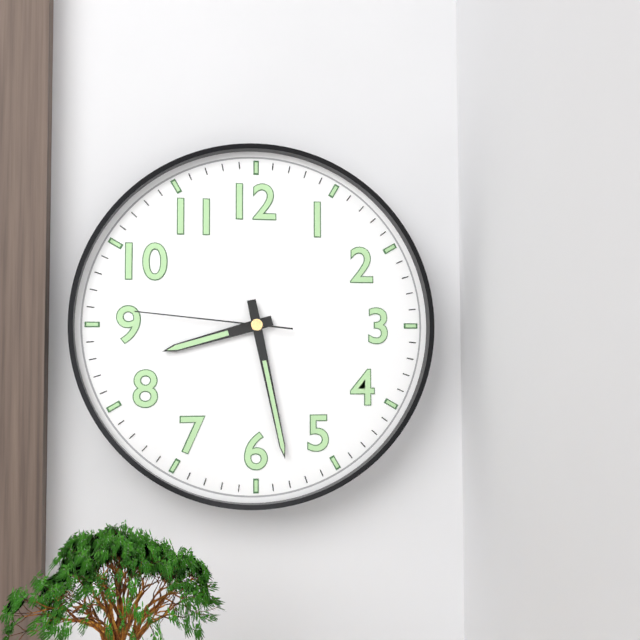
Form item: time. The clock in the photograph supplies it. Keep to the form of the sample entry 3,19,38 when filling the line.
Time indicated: 8,28,46
